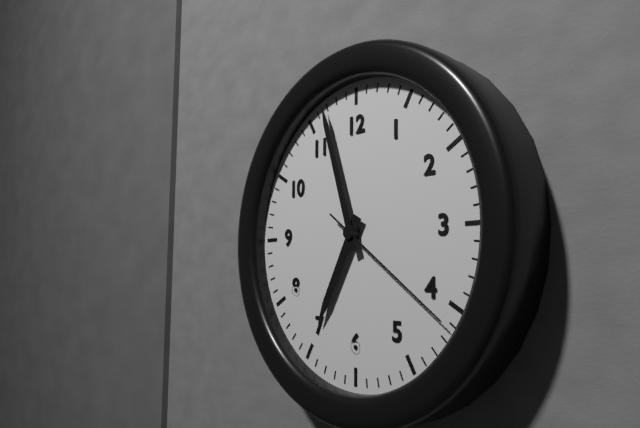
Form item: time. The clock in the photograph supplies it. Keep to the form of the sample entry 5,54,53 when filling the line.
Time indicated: 6,57,21
